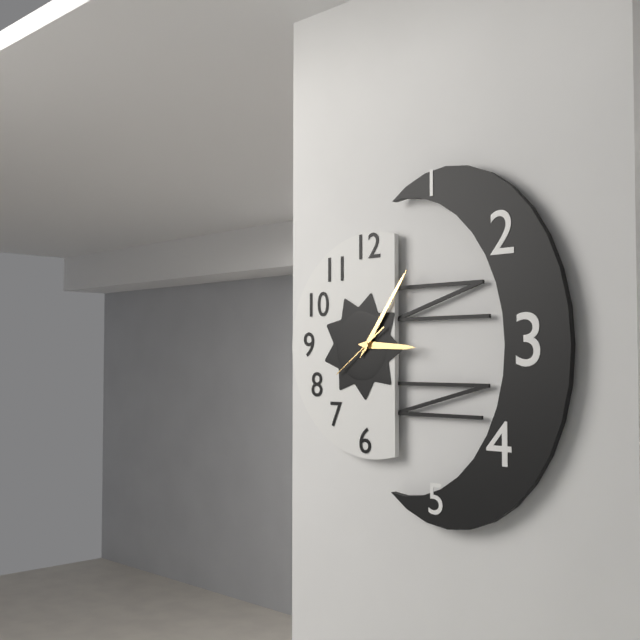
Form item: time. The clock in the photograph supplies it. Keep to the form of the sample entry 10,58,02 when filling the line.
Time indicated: 3,06,39
